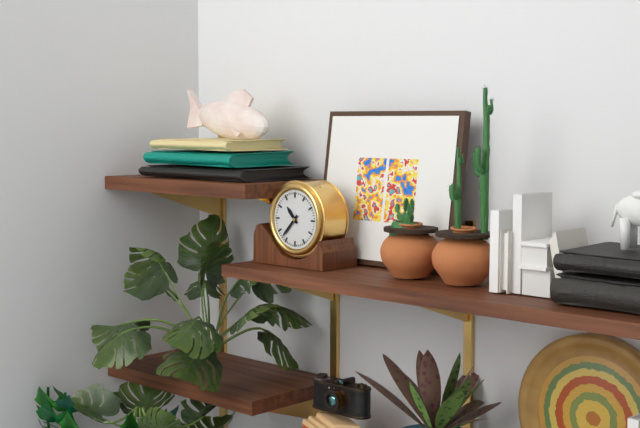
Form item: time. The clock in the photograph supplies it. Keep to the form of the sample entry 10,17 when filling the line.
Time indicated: 10,37
